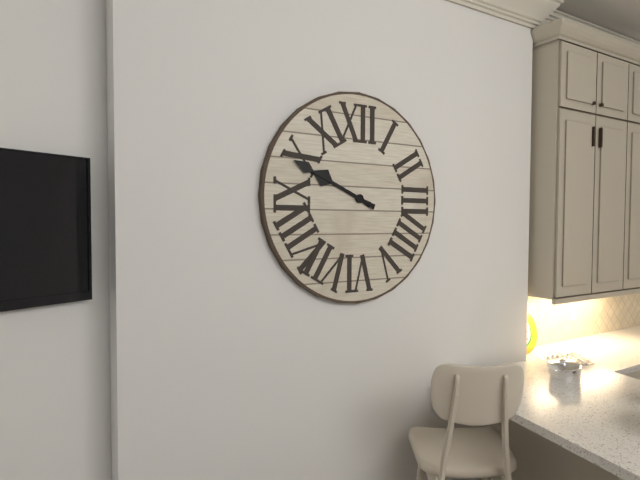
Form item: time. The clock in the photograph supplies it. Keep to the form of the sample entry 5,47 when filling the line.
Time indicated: 9,49
